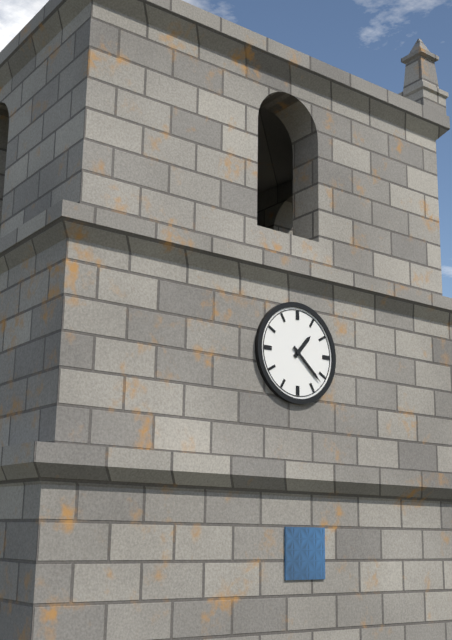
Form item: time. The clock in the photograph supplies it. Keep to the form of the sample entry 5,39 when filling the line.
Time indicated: 1,22
